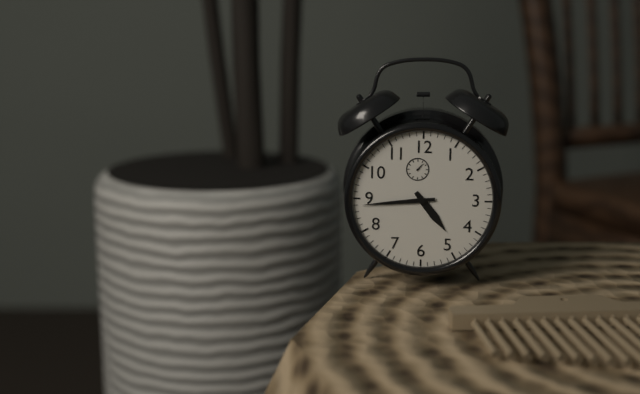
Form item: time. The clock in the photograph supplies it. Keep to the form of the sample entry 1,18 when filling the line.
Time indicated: 4,44
